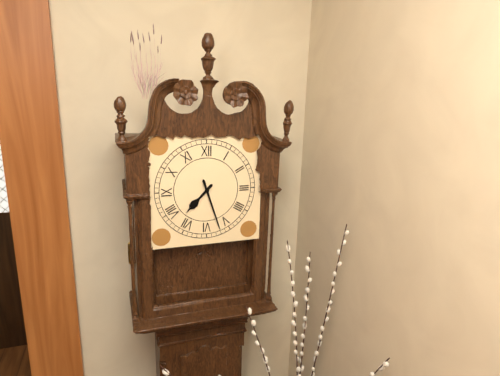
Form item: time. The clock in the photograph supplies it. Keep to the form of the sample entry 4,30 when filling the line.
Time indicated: 7,27
